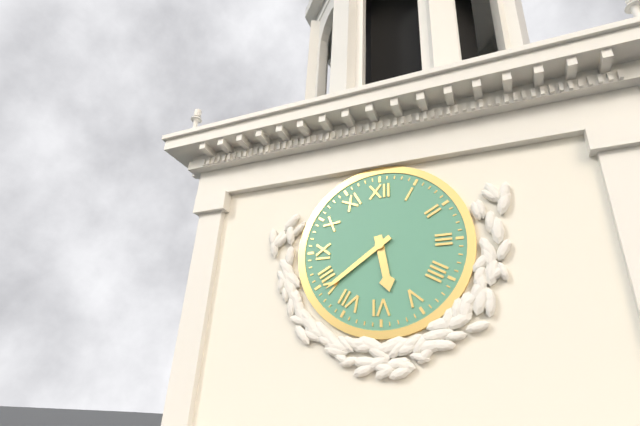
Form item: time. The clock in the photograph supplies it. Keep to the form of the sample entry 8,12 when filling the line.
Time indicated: 5,39
